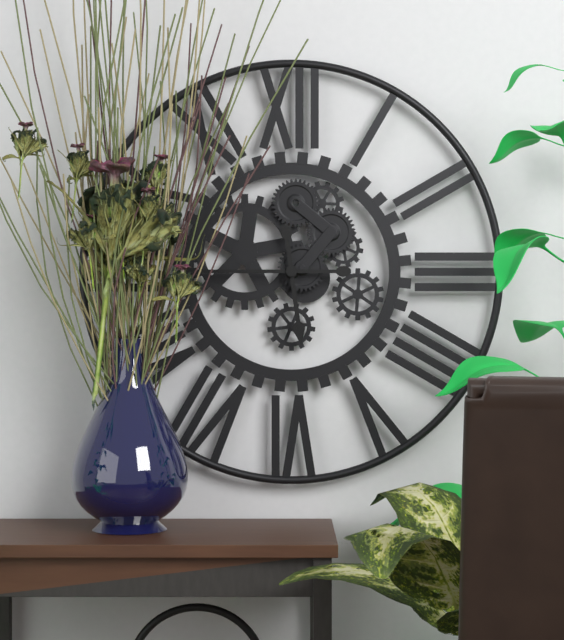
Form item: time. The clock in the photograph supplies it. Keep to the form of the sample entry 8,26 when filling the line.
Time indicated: 5,45
